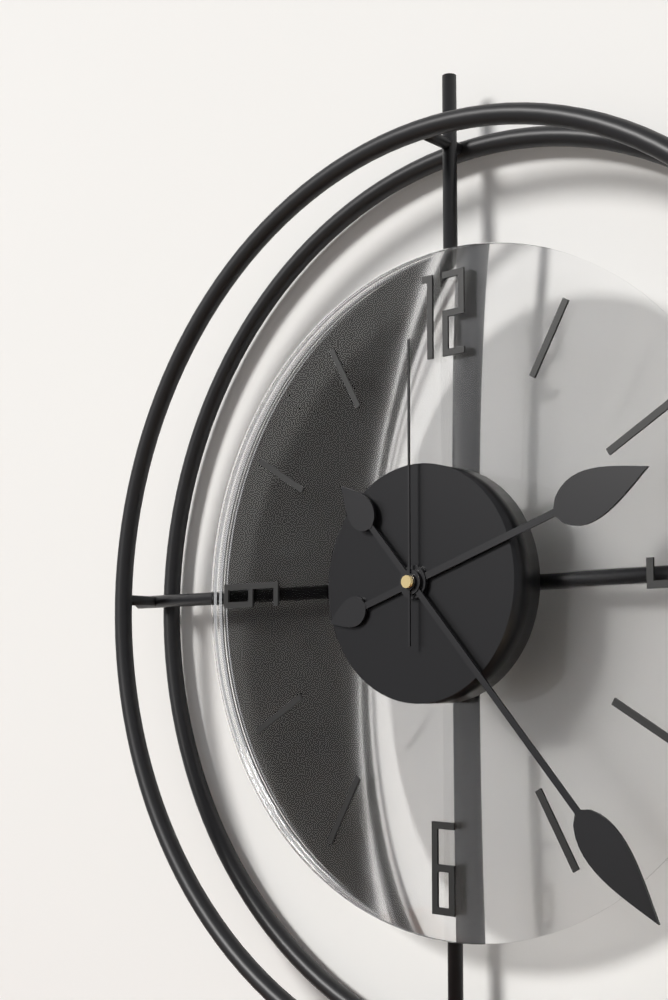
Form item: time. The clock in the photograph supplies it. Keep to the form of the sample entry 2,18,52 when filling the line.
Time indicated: 2,23,00
